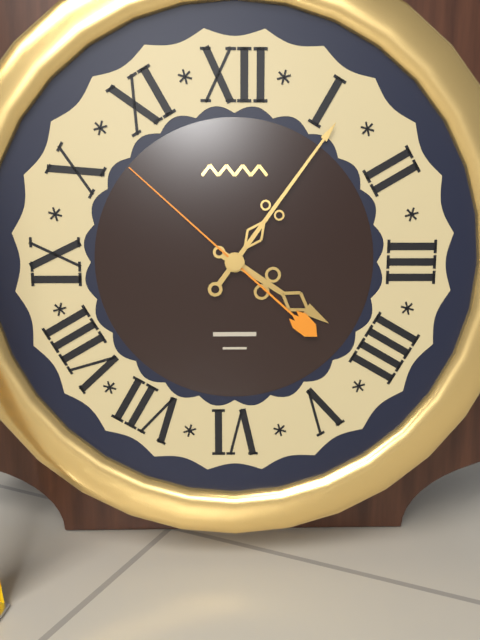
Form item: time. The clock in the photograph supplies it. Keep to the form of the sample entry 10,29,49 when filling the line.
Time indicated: 4,06,52
